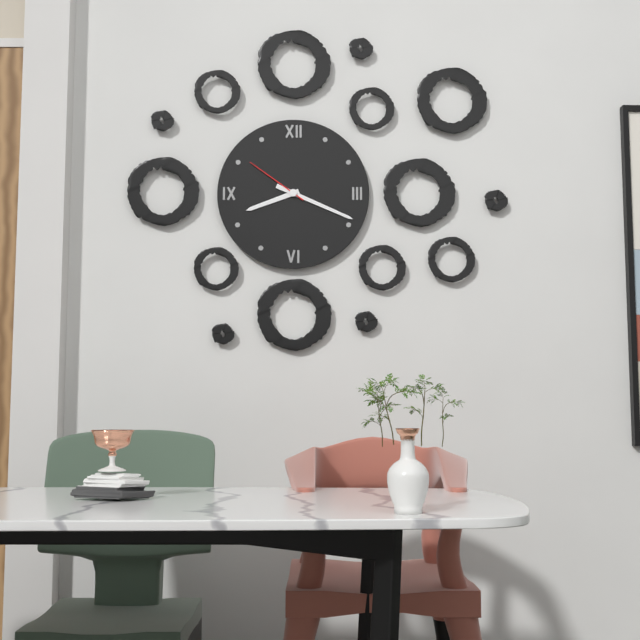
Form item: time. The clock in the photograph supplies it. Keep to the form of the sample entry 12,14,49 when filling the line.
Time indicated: 8,19,51
